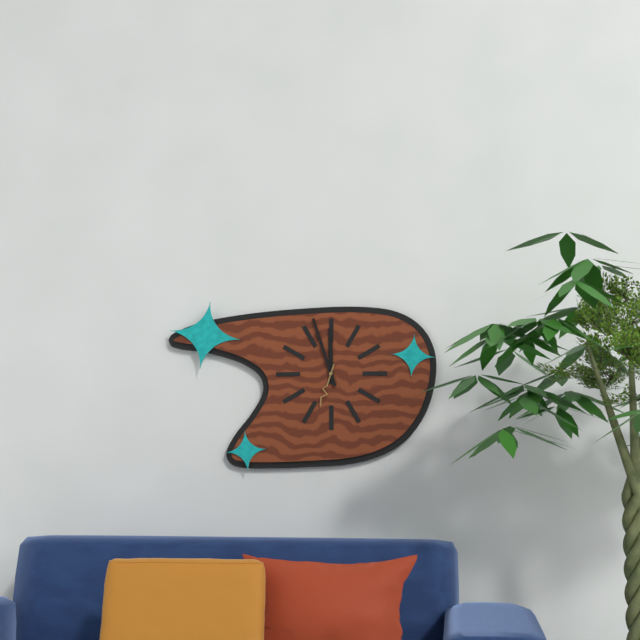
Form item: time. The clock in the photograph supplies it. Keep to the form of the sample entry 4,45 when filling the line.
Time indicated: 11,57
